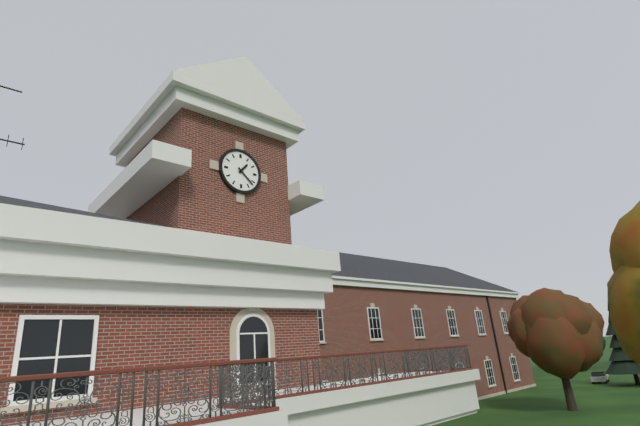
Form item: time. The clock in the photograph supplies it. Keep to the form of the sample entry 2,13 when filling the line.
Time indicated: 1,22
